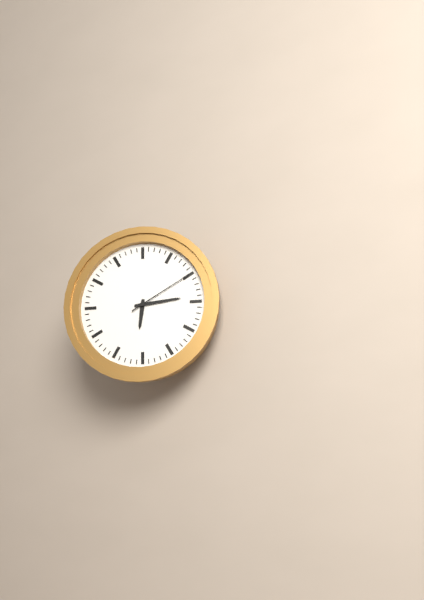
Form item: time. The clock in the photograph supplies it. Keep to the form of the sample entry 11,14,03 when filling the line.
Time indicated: 6,14,10
